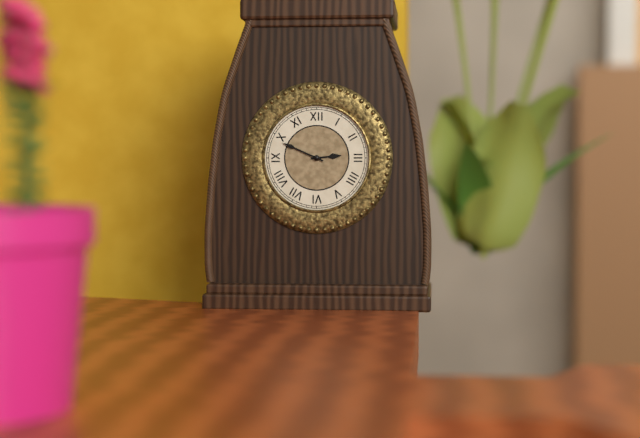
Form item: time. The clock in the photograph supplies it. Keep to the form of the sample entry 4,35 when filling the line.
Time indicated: 2,49
